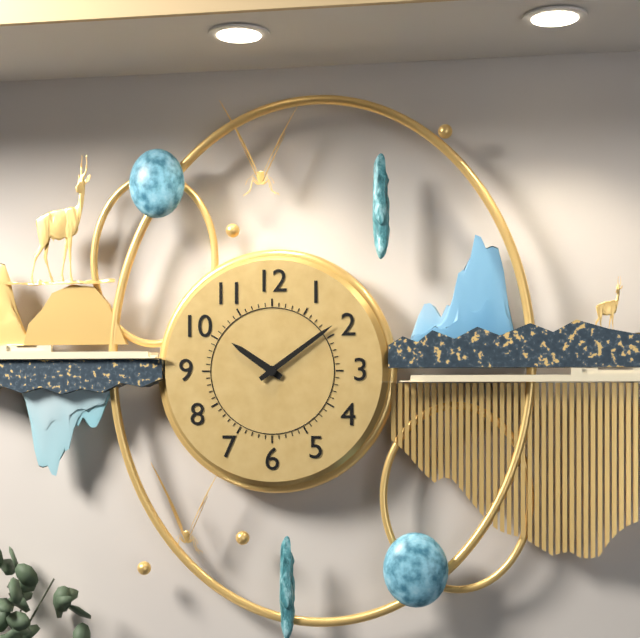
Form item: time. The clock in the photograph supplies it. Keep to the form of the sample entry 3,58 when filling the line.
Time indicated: 10,09
